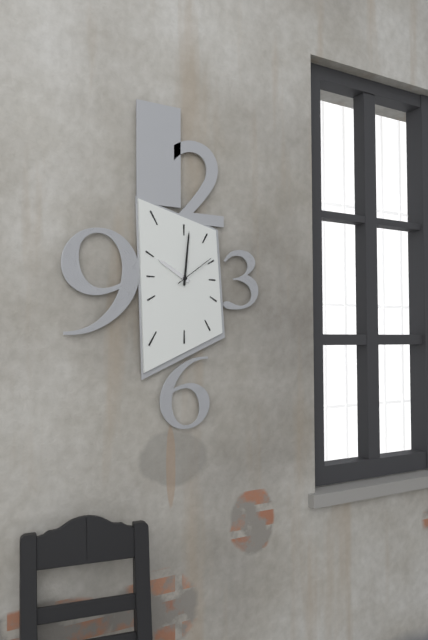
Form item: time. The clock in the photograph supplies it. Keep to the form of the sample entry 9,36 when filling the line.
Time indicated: 10,01
